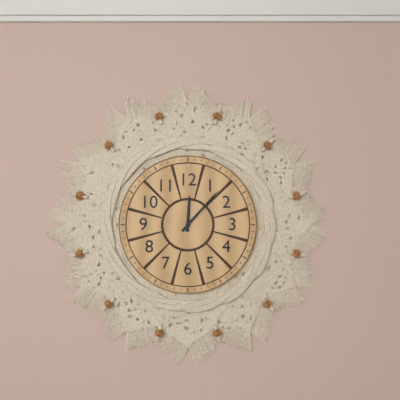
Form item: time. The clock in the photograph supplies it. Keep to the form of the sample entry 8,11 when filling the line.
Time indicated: 12,07
